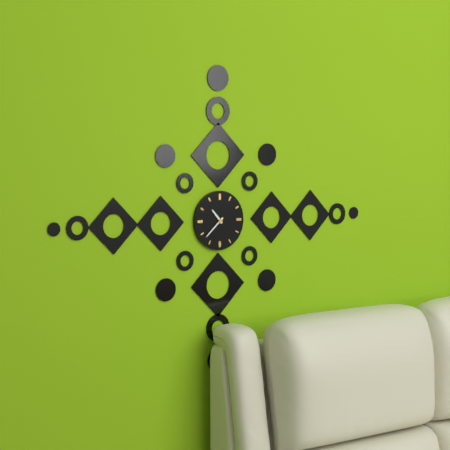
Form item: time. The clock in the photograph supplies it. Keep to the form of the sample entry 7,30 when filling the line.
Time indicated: 10,38
